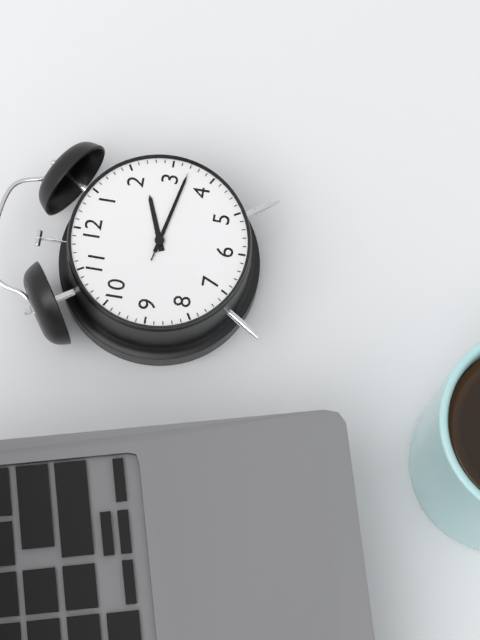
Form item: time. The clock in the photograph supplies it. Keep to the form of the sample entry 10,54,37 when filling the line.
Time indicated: 2,17,17
